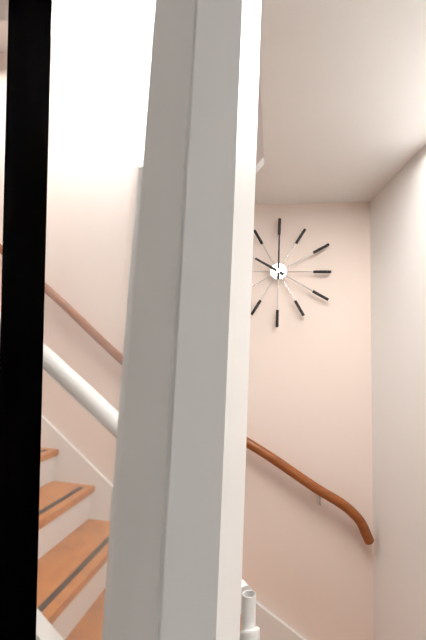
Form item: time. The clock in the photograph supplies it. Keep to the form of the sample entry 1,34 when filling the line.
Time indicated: 10,00
